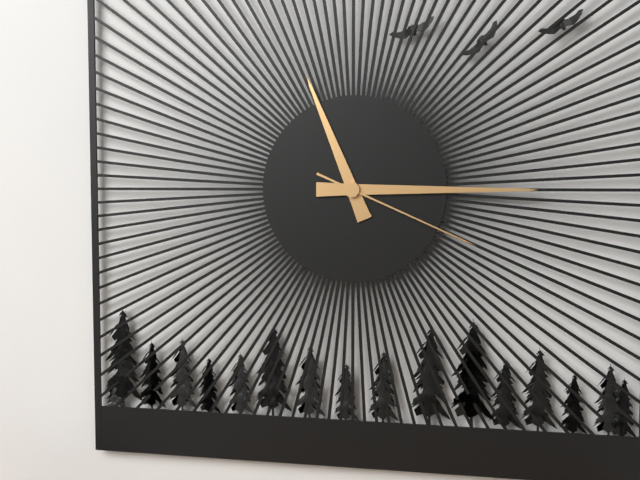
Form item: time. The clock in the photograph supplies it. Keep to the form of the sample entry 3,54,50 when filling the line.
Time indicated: 11,15,19
